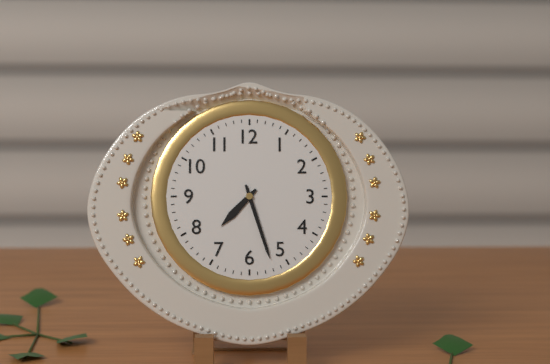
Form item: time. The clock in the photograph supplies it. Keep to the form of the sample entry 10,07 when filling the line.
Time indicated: 7,27
